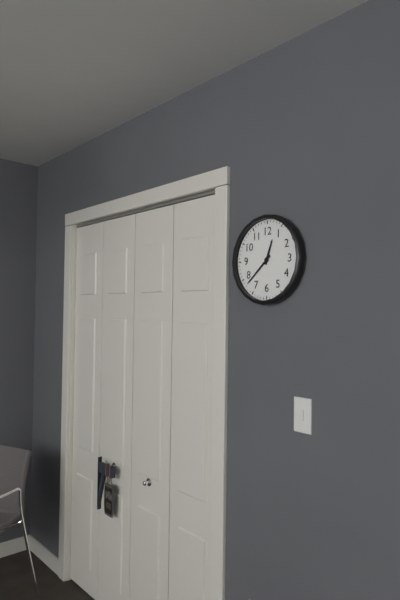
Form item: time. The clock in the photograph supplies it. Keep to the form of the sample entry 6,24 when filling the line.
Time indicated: 12,38
